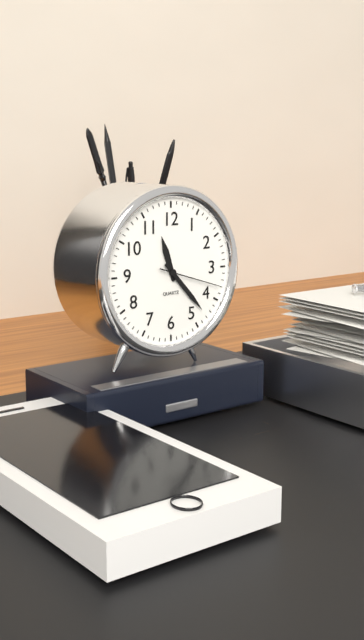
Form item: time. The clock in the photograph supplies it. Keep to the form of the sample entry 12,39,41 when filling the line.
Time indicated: 11,23,18
